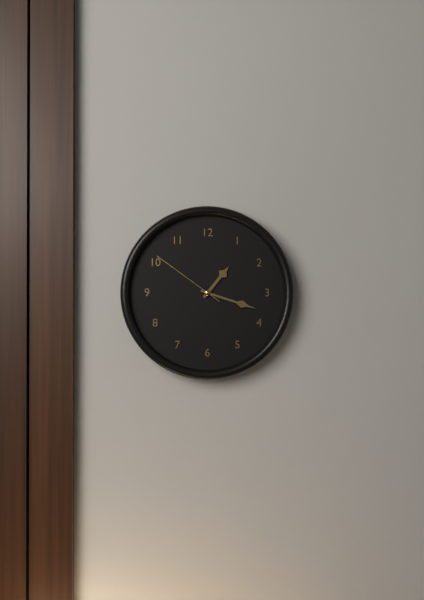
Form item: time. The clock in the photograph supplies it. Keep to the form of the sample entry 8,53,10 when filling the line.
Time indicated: 1,18,51
